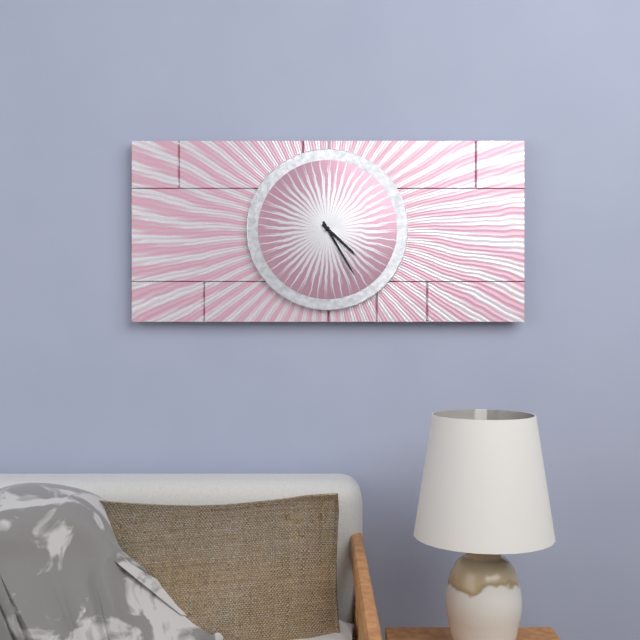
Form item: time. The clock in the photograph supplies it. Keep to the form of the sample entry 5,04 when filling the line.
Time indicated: 4,25
